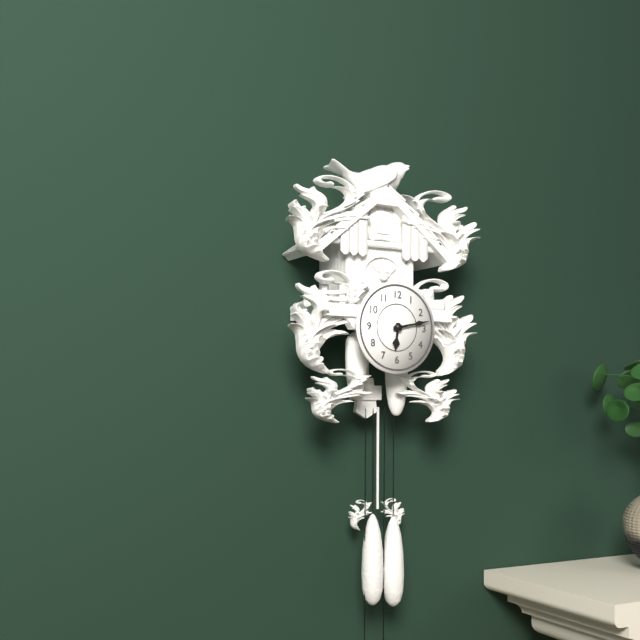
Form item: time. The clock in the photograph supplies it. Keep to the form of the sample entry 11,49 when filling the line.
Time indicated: 6,13
